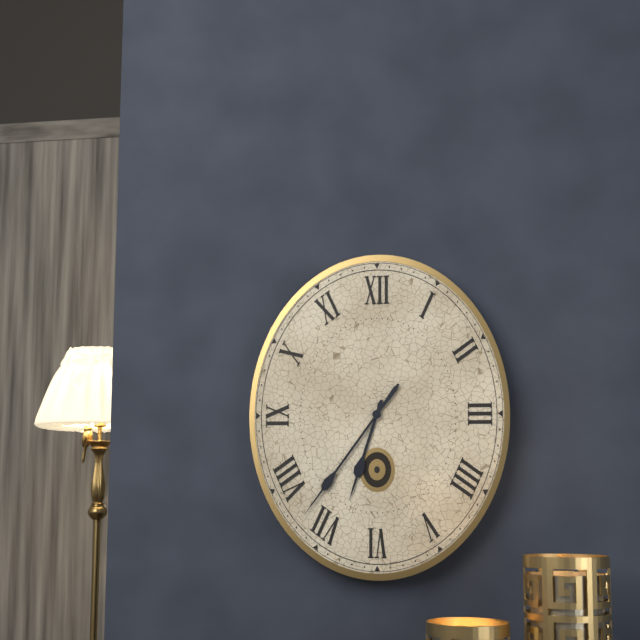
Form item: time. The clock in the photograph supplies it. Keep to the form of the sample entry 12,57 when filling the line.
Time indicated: 6,36
